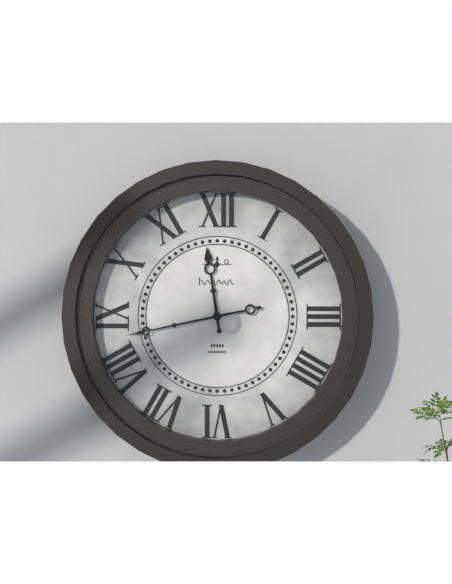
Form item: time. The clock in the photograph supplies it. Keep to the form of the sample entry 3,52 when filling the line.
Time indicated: 11,43
